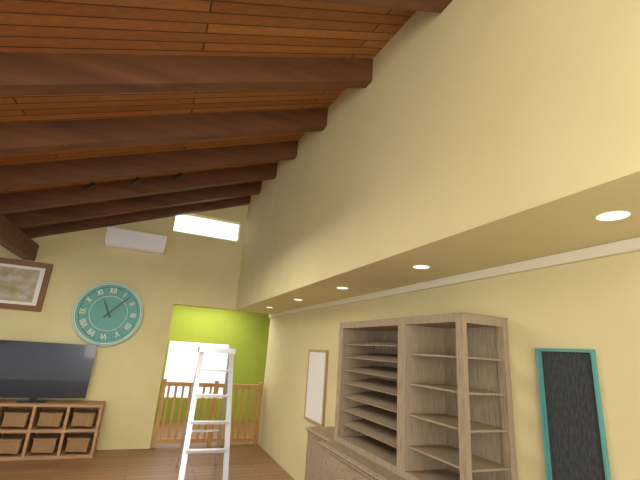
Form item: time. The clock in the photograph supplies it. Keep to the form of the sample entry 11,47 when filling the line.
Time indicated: 11,07
